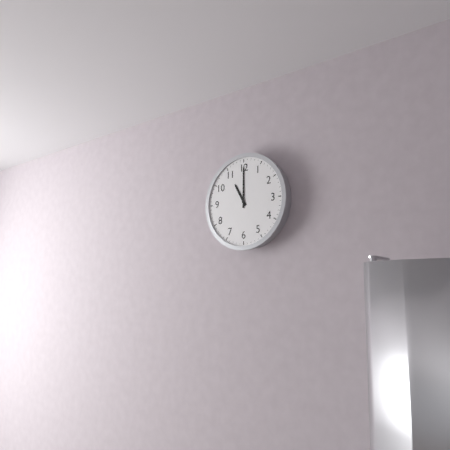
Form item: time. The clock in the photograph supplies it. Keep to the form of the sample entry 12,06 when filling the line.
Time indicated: 11,00
